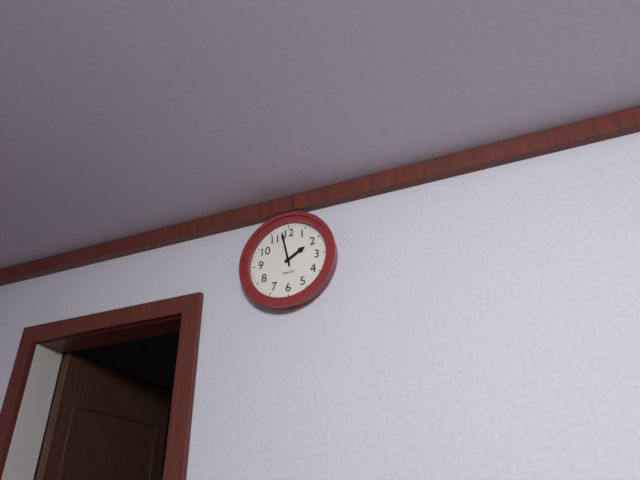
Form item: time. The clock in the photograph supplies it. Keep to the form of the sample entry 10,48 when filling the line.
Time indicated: 1,58
